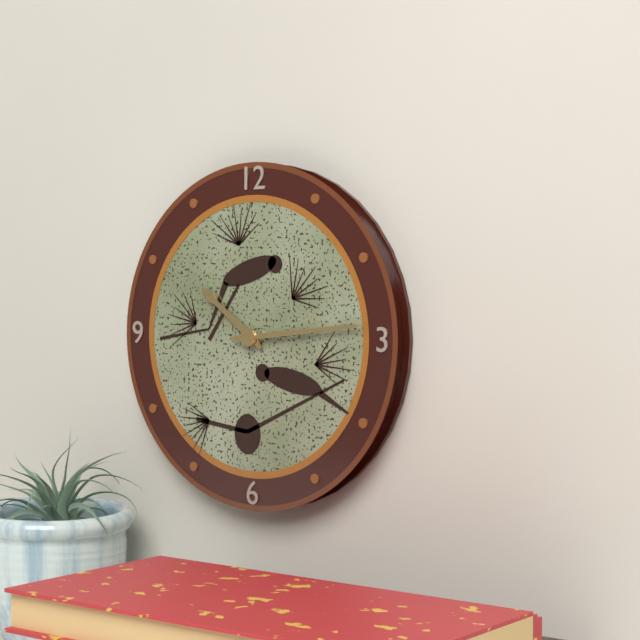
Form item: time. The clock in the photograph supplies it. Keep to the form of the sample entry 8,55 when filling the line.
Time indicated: 10,14
